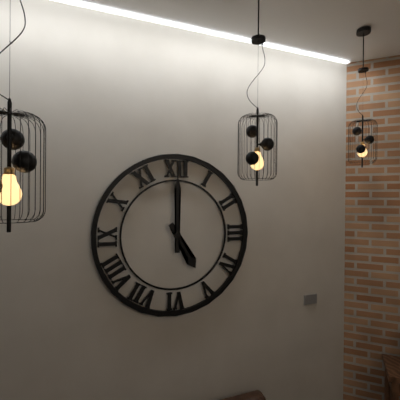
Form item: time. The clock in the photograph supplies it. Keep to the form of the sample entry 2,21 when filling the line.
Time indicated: 5,00
